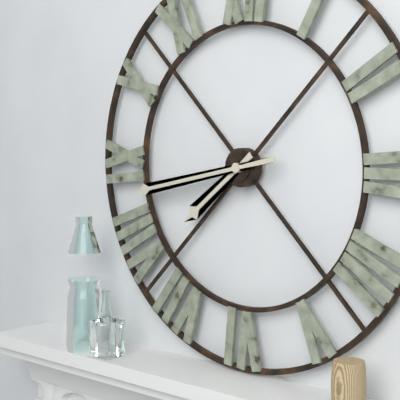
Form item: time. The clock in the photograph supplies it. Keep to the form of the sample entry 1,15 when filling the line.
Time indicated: 7,43
